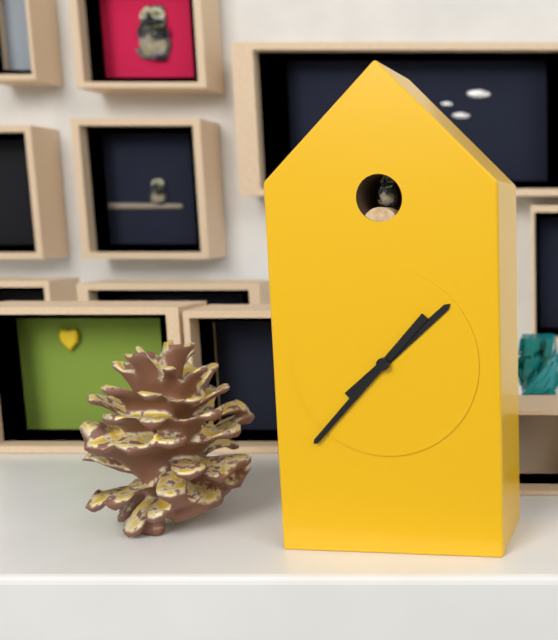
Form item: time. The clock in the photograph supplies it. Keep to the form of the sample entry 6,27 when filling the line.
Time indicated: 1,37
